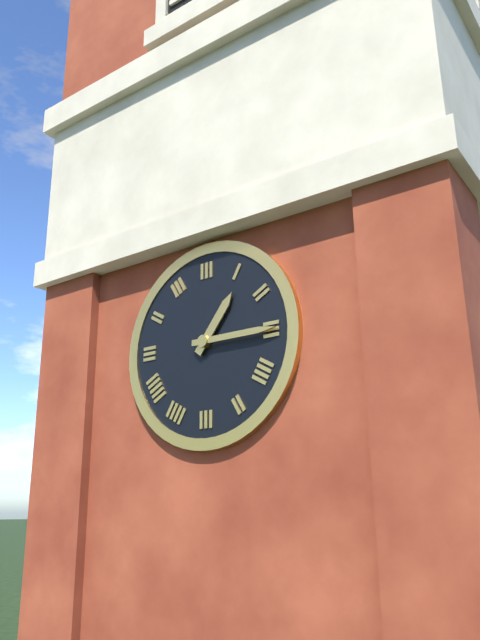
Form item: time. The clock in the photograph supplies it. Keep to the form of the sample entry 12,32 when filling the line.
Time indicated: 1,15
